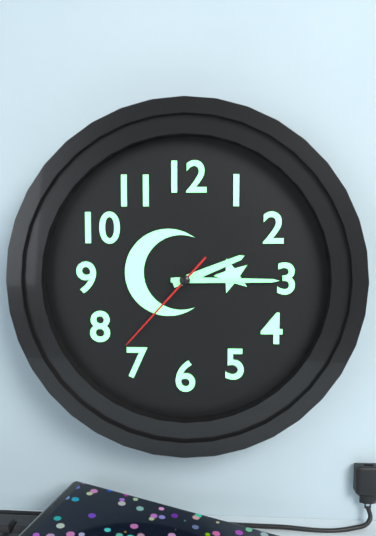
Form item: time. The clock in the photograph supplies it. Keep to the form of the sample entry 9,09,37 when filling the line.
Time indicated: 2,15,37
